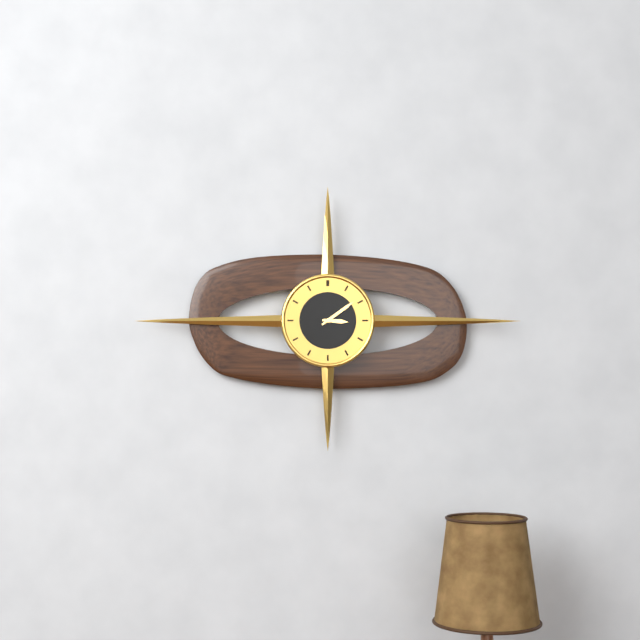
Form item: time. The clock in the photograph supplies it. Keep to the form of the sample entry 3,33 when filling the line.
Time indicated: 3,09
